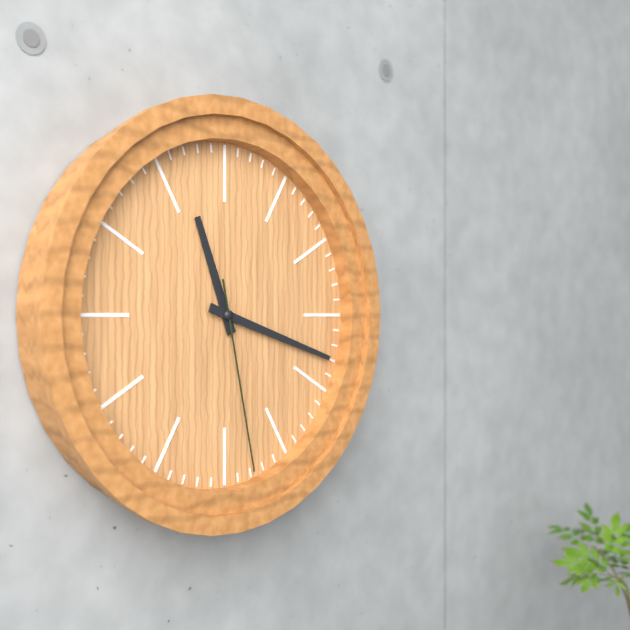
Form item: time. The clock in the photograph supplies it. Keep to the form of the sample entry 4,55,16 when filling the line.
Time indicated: 11,18,28
